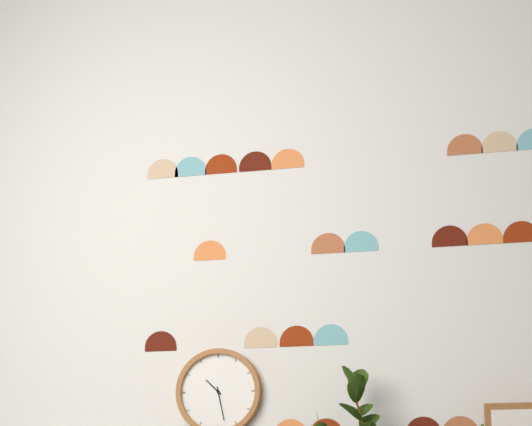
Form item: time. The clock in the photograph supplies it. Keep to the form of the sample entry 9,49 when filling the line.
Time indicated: 10,28
